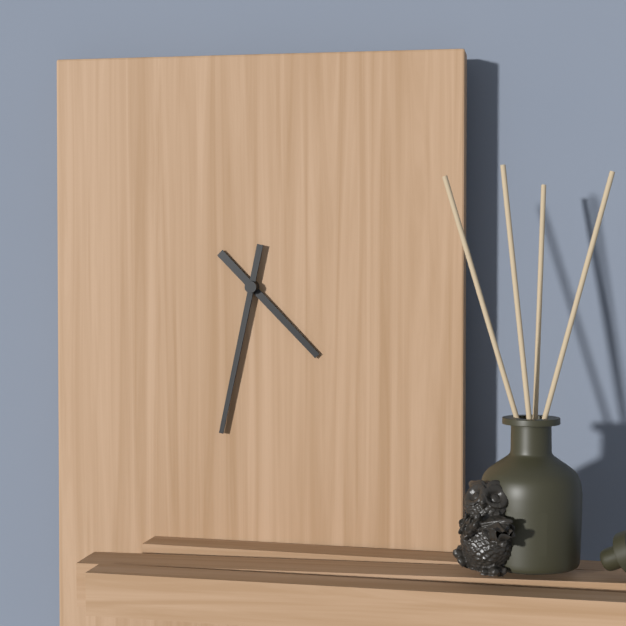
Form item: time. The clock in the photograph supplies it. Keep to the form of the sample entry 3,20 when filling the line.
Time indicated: 4,32
